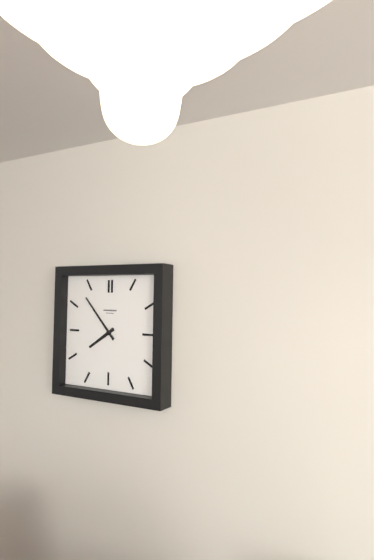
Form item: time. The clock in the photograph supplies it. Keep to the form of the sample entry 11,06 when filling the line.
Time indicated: 7,53
